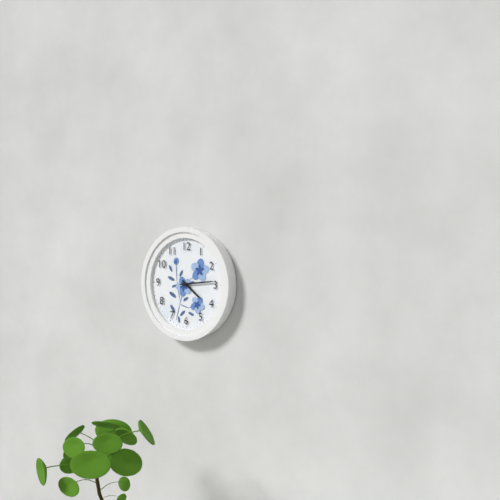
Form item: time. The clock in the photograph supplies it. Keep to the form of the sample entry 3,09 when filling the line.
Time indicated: 4,14
